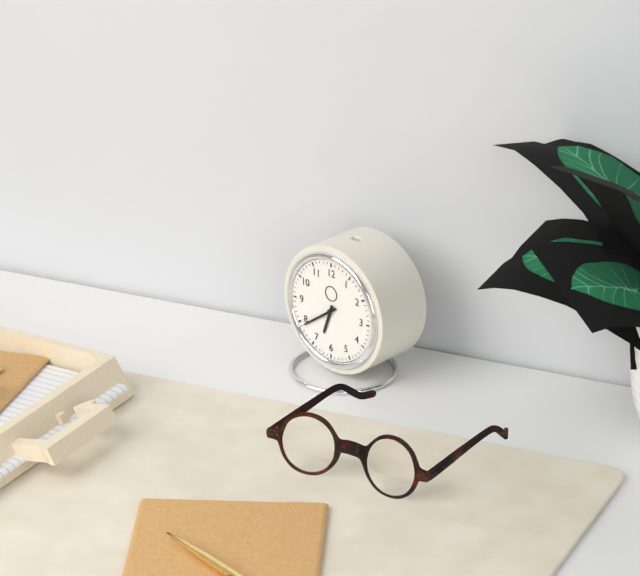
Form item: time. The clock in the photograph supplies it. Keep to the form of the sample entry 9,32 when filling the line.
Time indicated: 6,39
